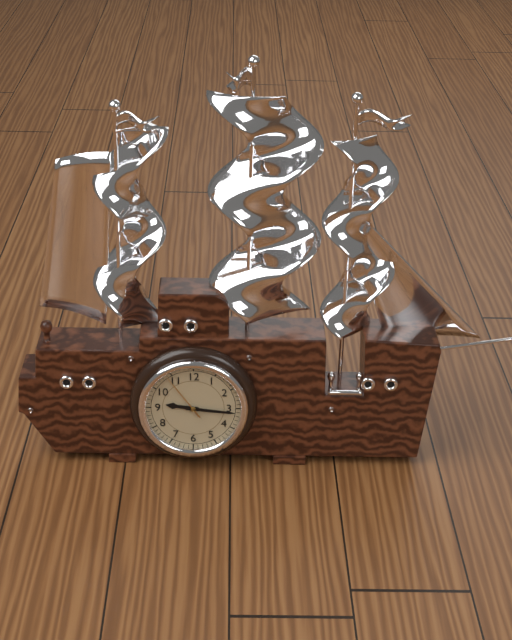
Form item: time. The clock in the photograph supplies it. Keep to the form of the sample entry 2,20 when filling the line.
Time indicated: 9,16
